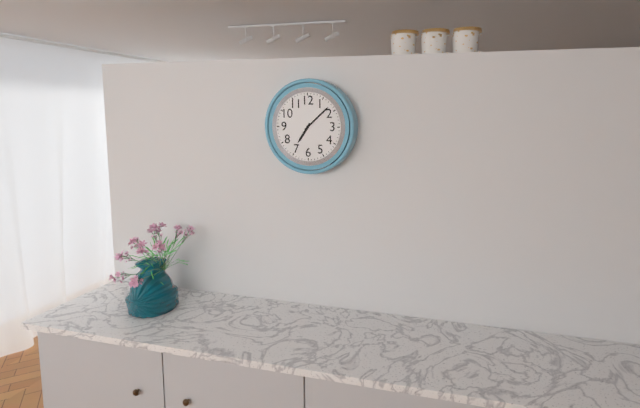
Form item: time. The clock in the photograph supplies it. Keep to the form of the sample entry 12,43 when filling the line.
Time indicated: 7,08
